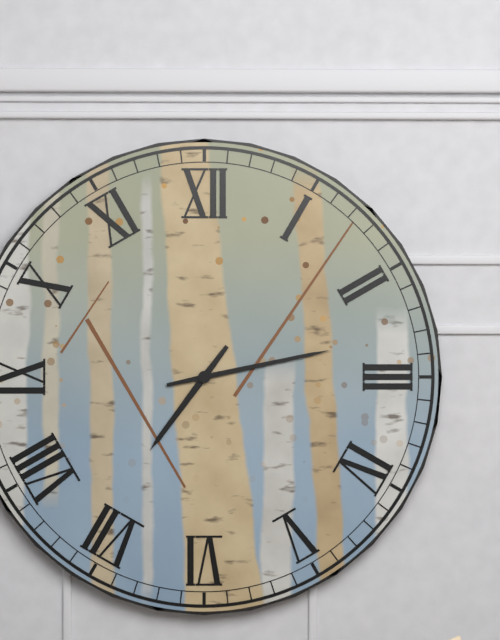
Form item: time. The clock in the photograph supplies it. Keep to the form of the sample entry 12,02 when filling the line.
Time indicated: 7,13
